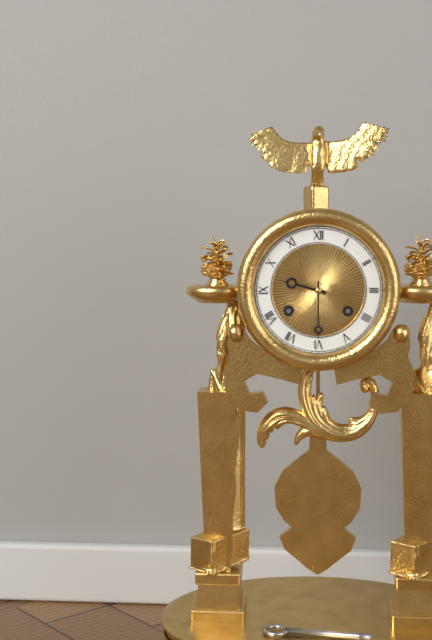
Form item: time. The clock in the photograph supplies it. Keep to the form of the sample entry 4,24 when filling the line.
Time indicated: 9,30
